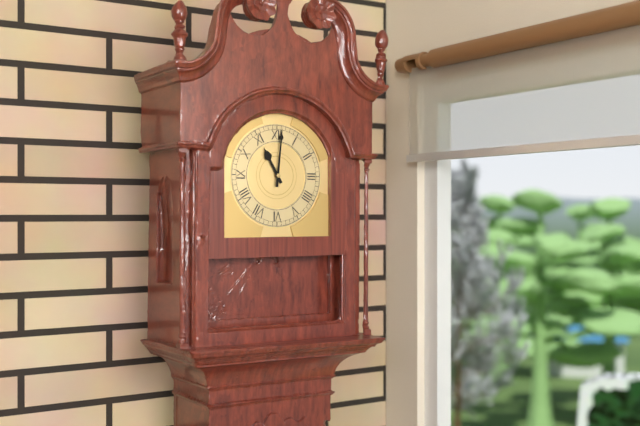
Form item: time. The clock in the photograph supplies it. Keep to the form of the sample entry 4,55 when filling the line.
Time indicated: 11,01
